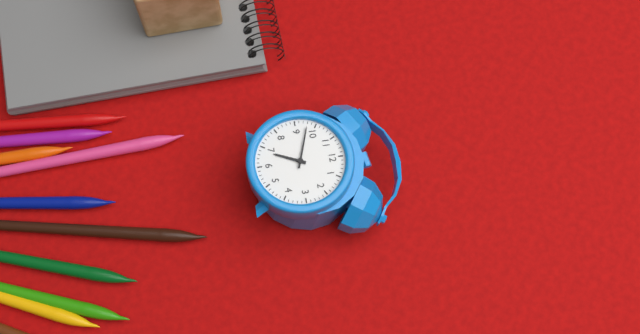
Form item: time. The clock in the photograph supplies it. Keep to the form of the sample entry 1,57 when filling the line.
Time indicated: 6,48
